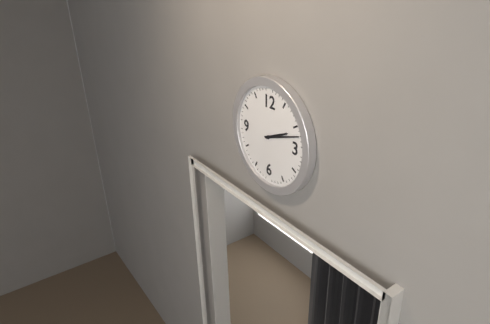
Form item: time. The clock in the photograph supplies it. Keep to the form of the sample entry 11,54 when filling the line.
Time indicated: 2,12
